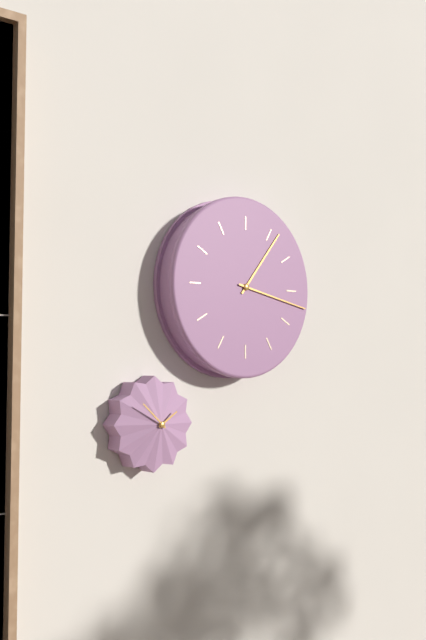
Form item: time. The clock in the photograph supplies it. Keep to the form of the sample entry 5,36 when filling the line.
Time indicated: 1,17
